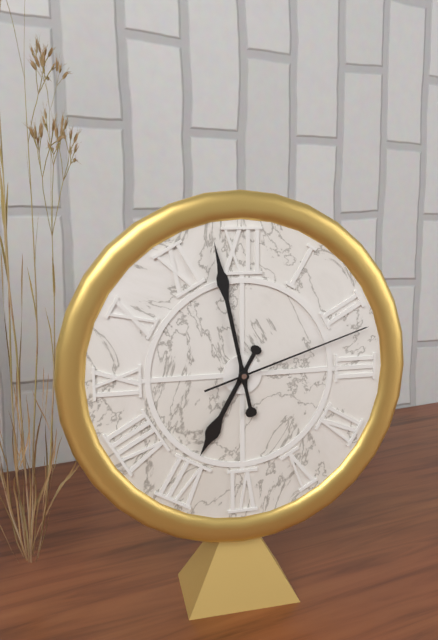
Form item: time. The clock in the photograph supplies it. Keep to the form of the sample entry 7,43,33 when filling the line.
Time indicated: 6,58,12
